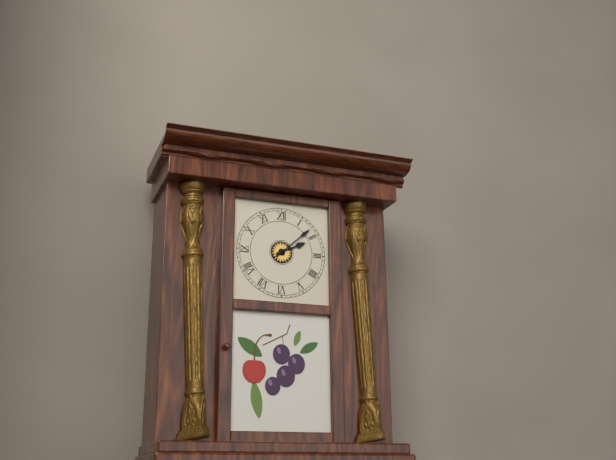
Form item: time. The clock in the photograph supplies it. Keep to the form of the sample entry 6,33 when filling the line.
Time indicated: 2,08
